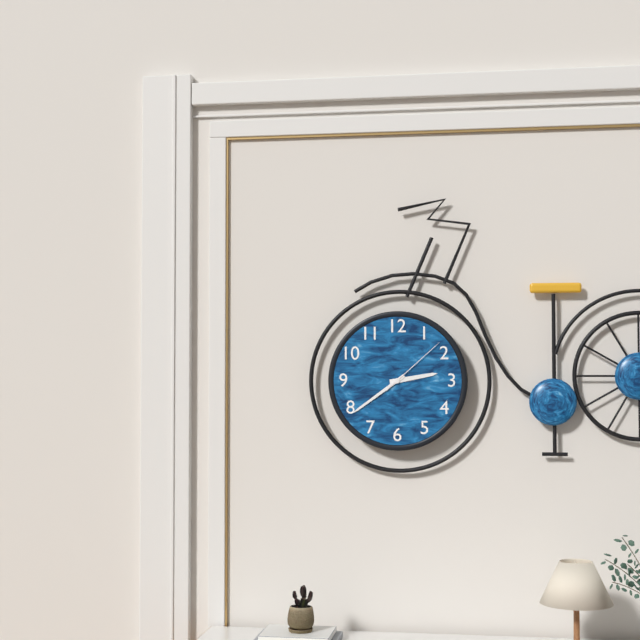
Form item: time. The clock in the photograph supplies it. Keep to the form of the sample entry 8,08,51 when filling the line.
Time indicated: 2,39,08
